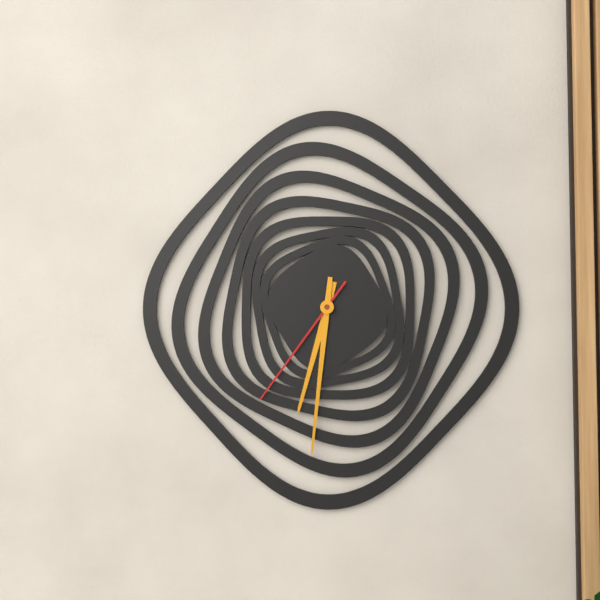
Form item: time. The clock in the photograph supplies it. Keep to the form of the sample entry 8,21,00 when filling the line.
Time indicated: 6,31,36
